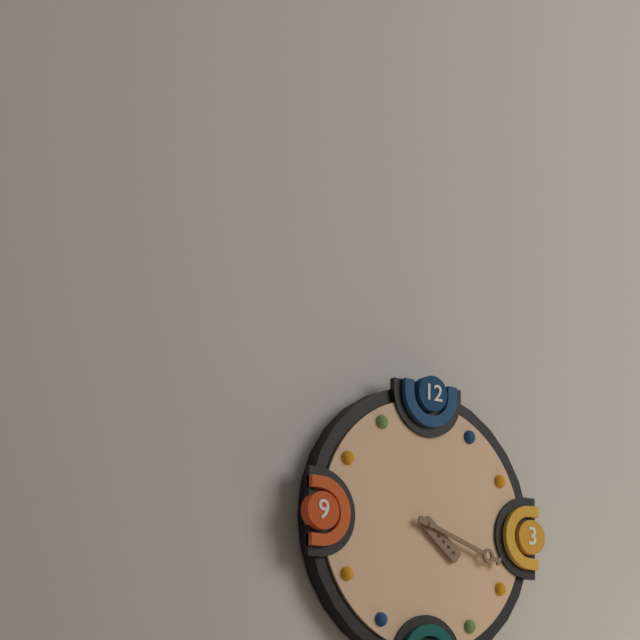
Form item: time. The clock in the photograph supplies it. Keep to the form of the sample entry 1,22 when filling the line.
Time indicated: 4,18
